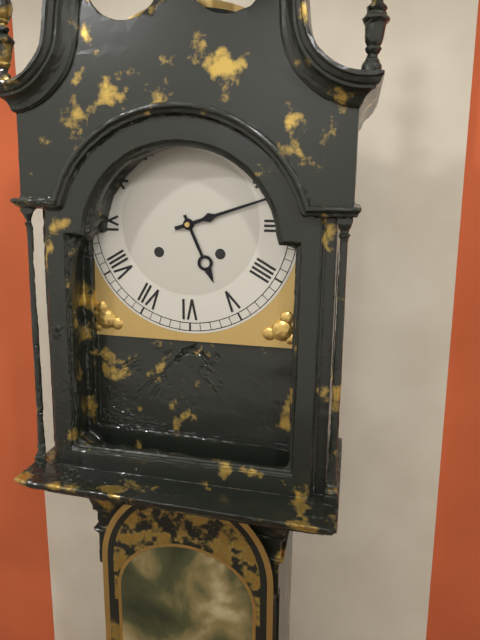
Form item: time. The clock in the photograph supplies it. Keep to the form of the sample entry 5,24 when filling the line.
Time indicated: 5,12
